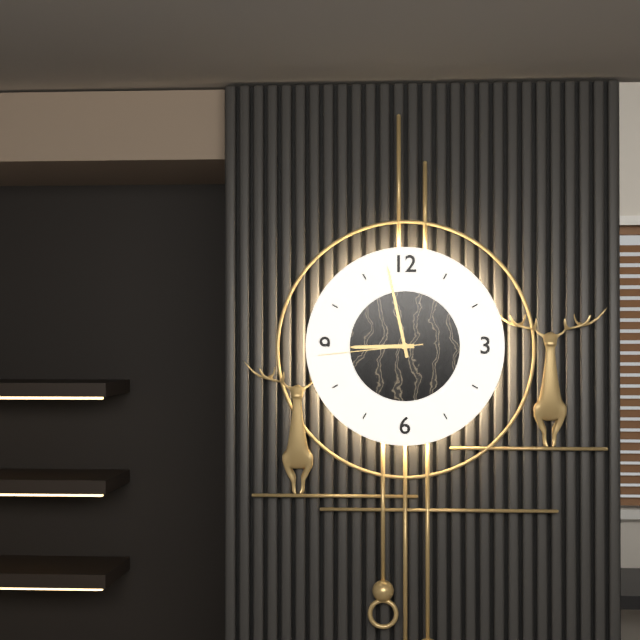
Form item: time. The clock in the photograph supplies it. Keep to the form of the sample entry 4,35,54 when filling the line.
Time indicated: 8,58,44
